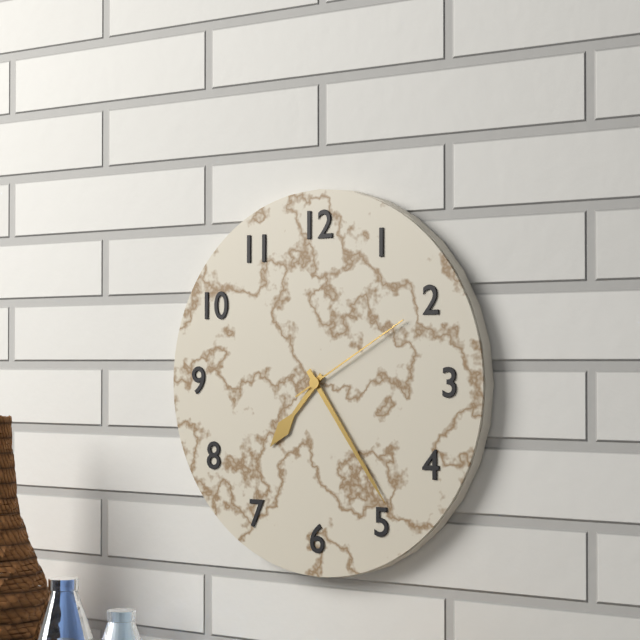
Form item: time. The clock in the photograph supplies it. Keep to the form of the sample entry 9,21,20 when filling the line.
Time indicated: 7,24,10
